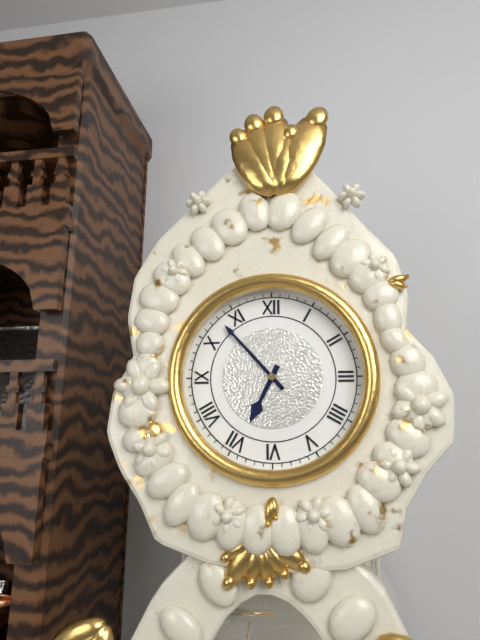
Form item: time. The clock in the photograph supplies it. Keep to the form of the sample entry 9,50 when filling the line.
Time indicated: 6,53
